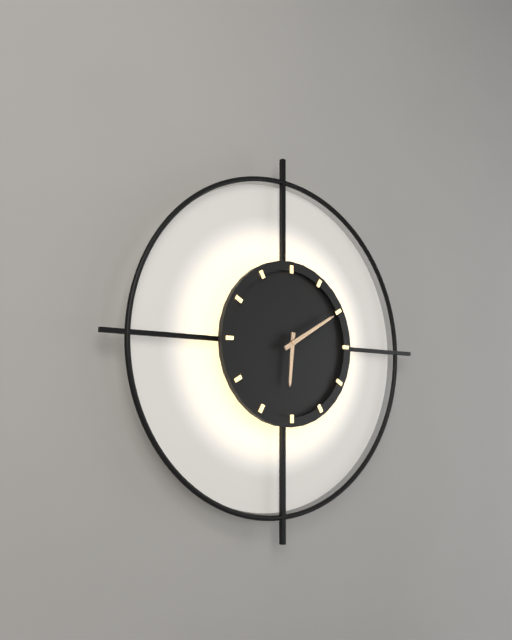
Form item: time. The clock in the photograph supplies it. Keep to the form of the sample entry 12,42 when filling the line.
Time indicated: 6,10
